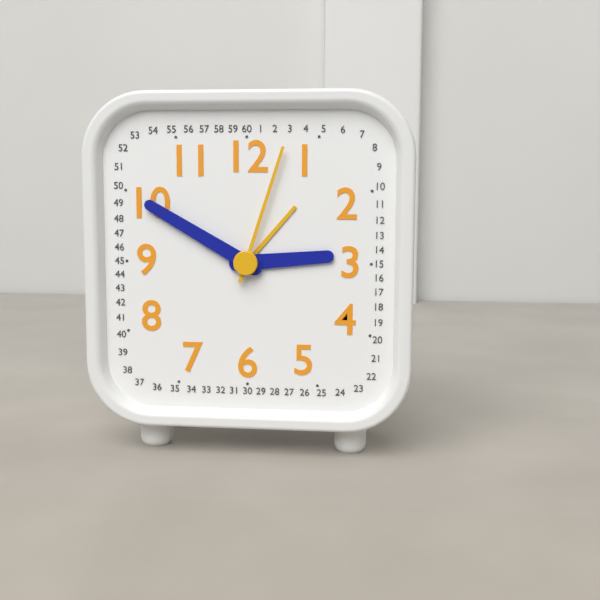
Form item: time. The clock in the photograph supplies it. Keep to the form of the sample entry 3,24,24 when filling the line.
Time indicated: 2,50,03
